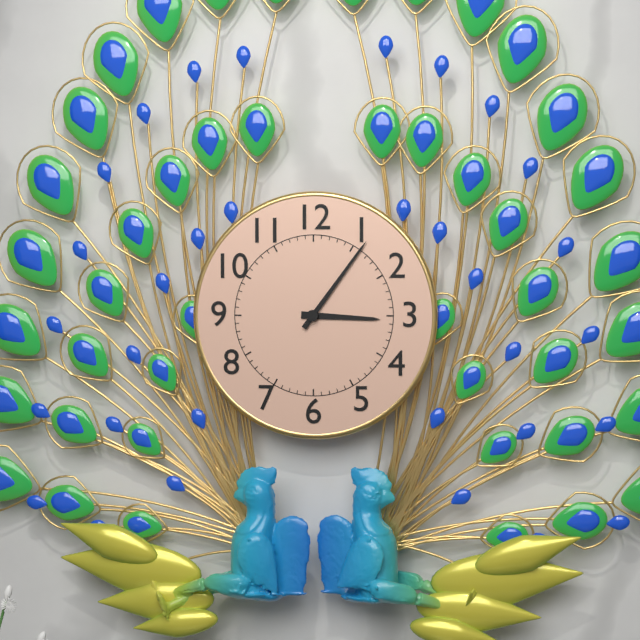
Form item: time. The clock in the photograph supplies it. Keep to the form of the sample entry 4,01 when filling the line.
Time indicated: 3,06
